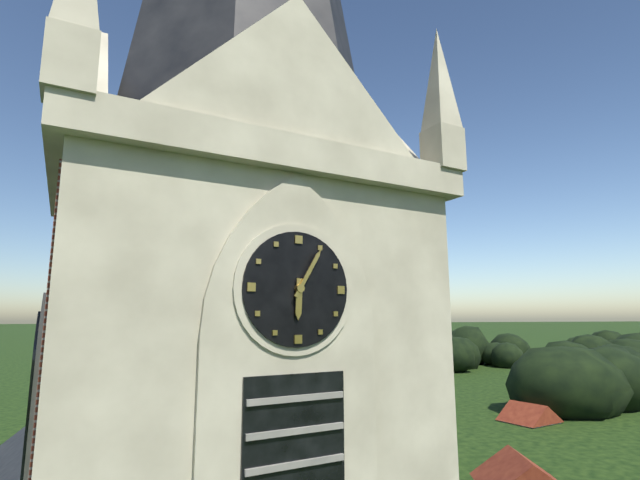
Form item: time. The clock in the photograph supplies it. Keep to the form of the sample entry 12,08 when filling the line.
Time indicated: 6,05
